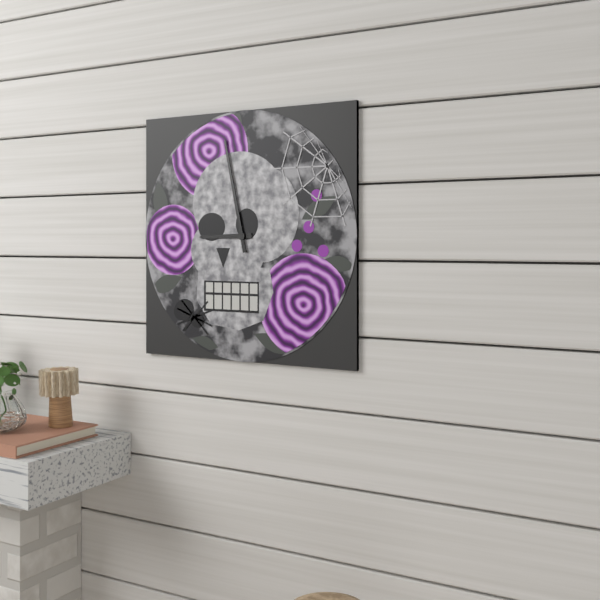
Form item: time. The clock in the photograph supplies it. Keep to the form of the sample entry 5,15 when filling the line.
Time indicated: 8,58
